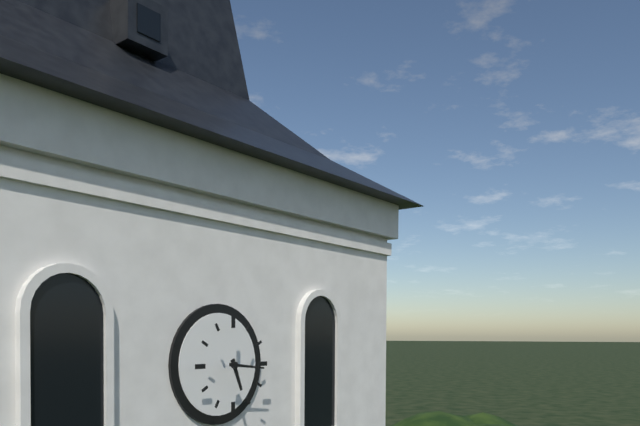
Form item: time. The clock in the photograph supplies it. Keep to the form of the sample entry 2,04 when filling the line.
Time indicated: 5,16
